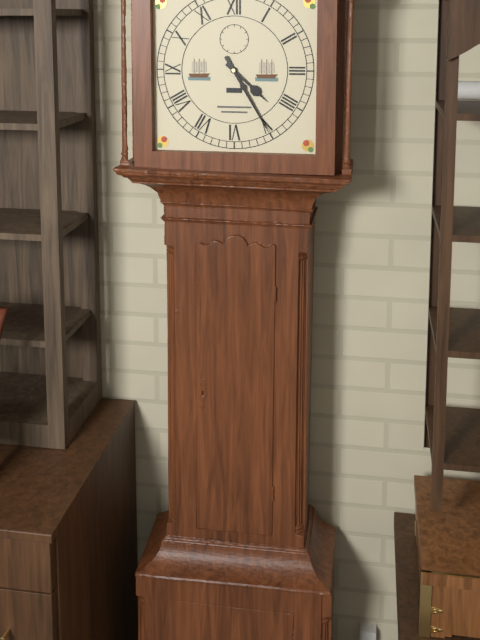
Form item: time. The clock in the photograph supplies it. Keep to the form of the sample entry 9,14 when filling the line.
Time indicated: 4,25
